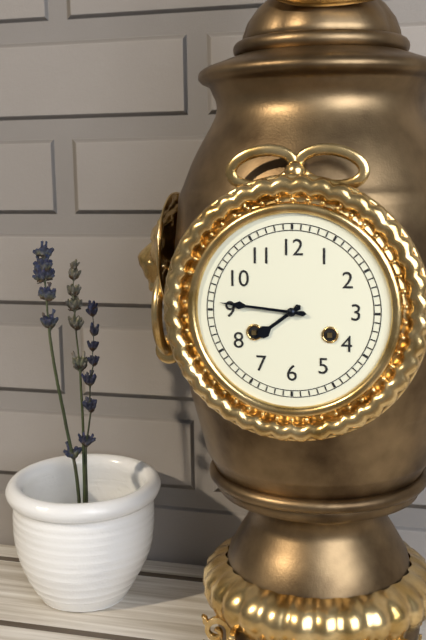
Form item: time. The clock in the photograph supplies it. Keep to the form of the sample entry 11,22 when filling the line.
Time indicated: 7,46
